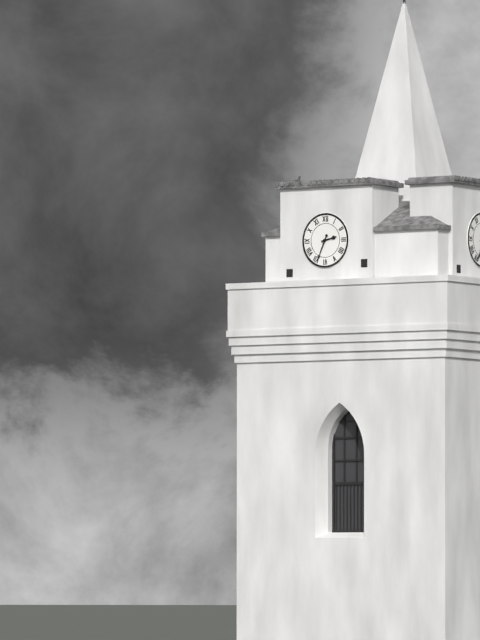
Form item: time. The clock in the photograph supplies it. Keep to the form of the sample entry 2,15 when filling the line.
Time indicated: 2,34
